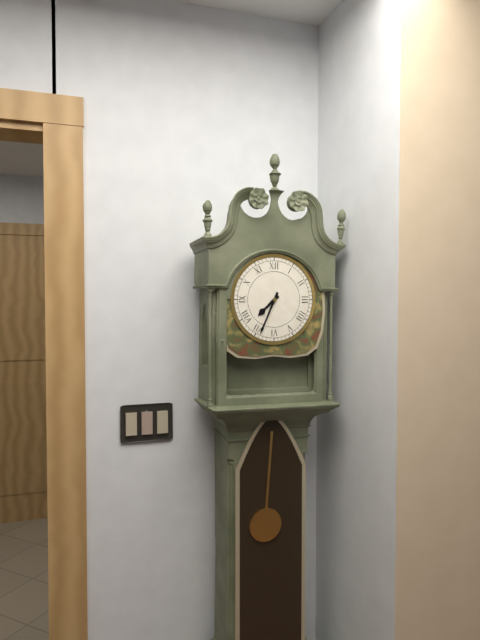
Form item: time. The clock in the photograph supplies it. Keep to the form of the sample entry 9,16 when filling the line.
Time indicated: 7,34
